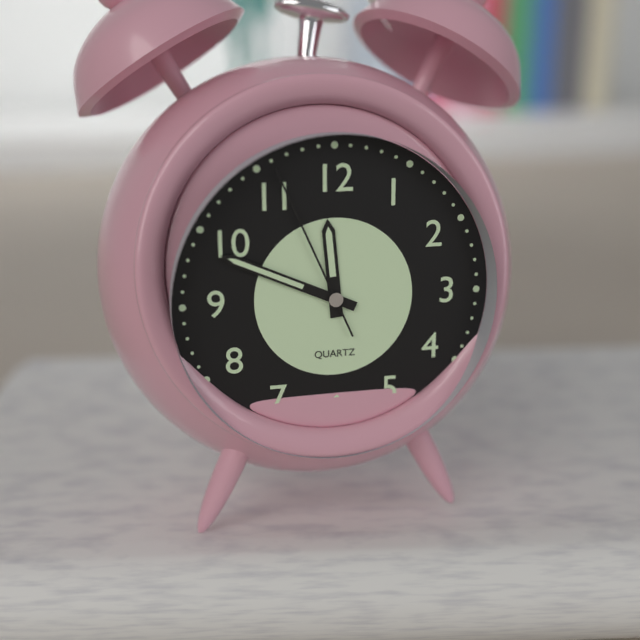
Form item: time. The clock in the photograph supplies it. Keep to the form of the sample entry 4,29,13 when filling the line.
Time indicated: 11,49,56
